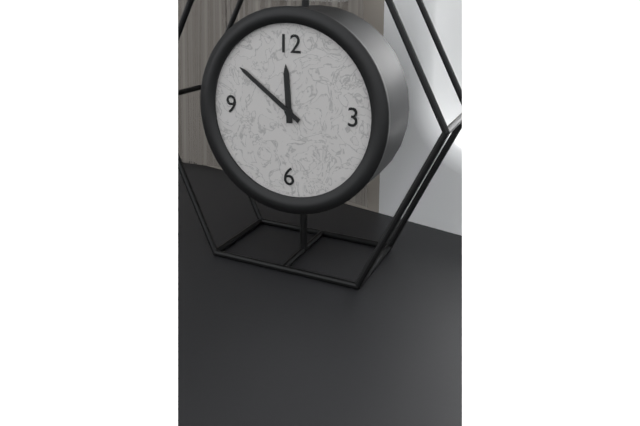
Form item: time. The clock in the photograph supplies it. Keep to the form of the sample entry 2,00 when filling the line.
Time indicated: 11,51
